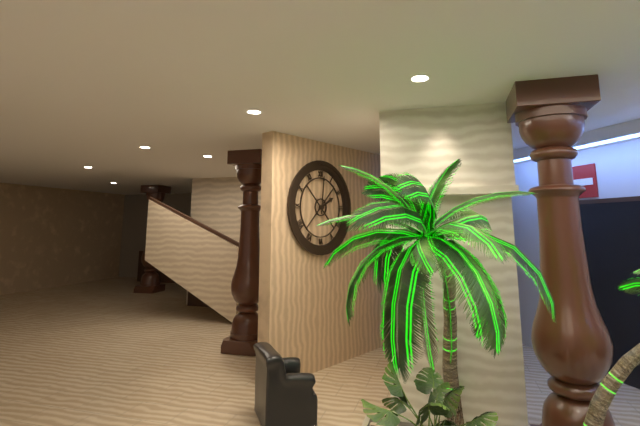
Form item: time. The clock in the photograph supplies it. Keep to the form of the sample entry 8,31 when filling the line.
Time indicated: 2,01
